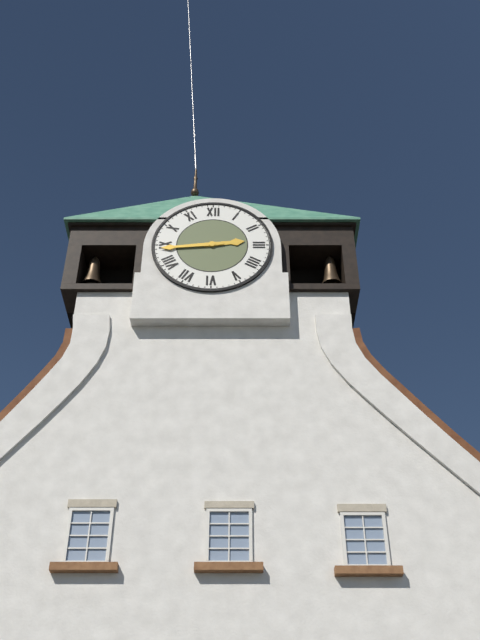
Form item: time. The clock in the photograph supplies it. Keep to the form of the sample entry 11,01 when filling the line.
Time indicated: 2,44
